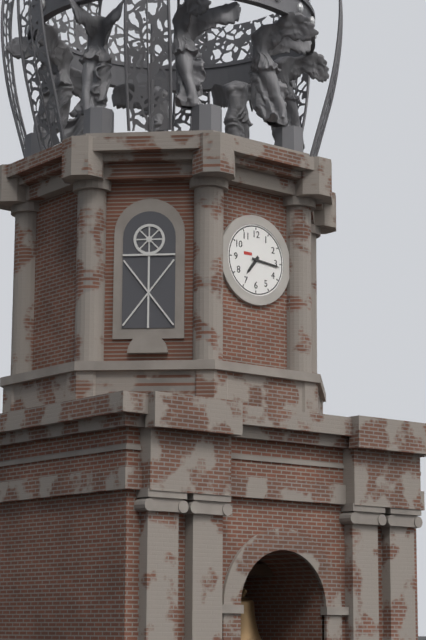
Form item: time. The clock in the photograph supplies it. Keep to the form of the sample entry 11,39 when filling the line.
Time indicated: 7,16
